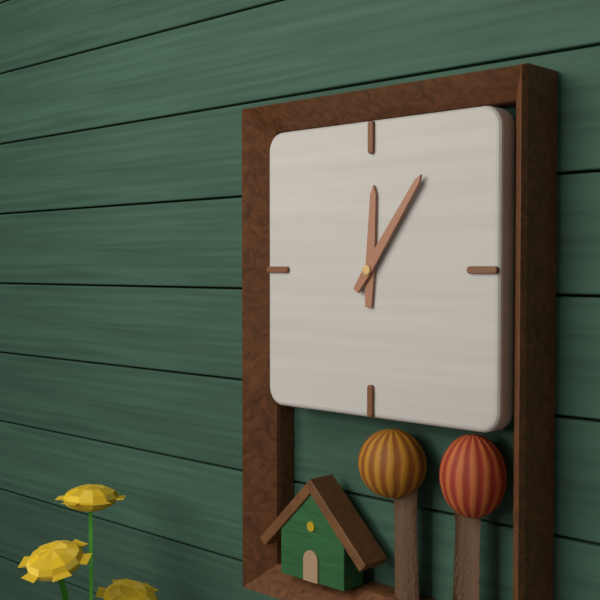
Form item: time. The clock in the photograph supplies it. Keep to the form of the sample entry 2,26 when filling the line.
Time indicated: 12,06
